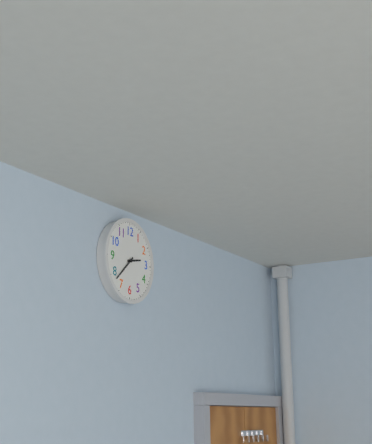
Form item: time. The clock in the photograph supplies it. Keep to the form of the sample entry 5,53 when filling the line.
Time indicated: 2,38
